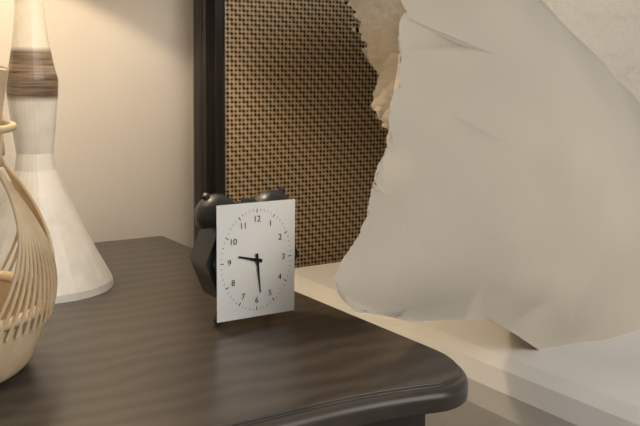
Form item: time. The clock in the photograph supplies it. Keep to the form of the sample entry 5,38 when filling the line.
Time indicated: 9,29
